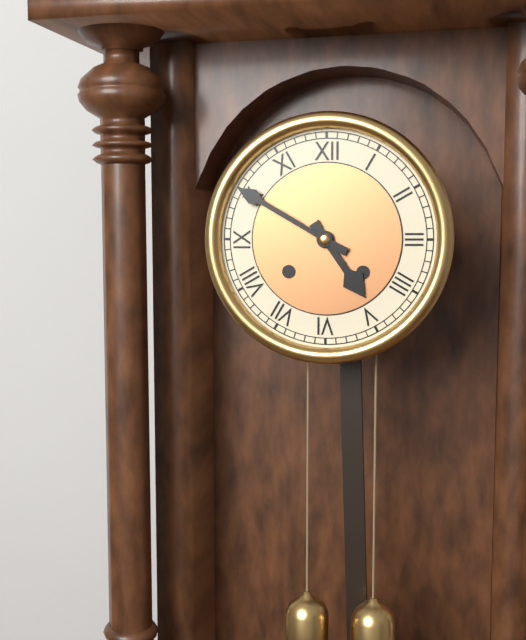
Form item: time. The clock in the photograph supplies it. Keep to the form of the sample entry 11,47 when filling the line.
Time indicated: 4,50
